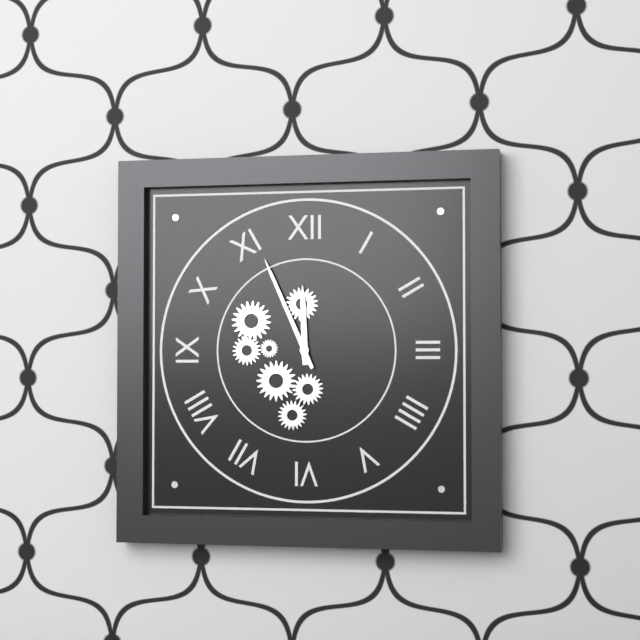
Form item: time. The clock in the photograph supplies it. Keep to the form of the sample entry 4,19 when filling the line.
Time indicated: 11,56
